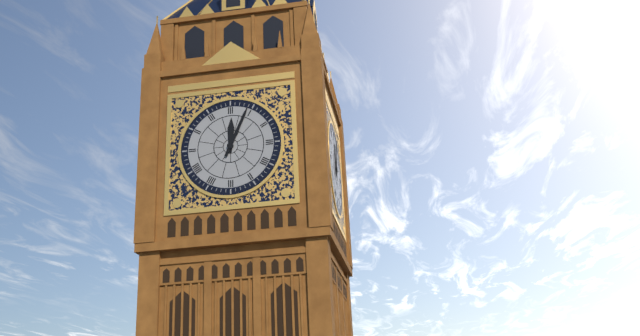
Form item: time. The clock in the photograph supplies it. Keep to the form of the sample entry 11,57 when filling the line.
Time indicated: 12,04
